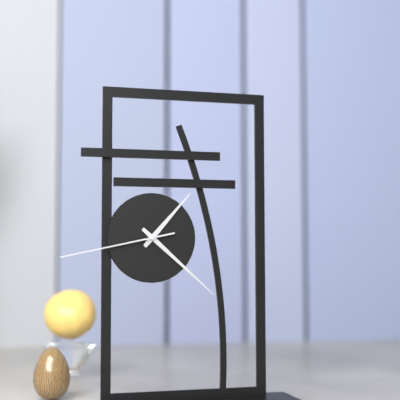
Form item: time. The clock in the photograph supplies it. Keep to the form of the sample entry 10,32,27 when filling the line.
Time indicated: 1,22,43
